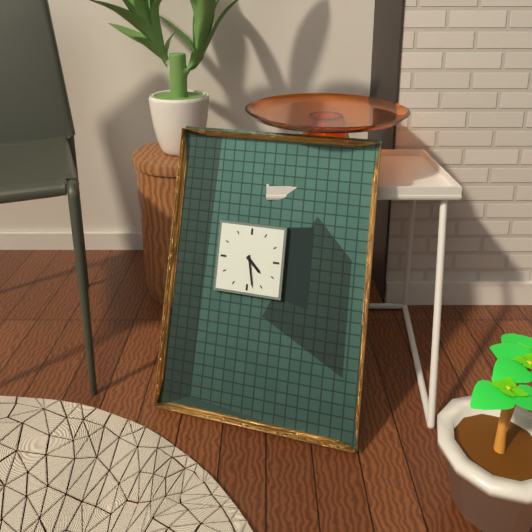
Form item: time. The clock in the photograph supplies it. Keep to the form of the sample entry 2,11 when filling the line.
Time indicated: 4,28
